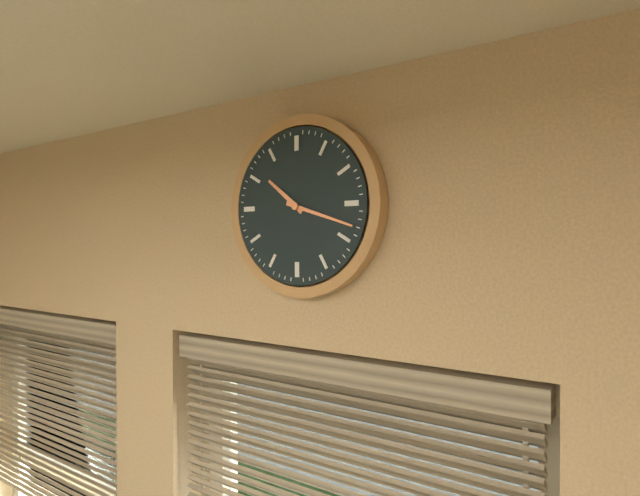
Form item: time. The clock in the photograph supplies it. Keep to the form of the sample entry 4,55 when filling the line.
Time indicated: 10,18
